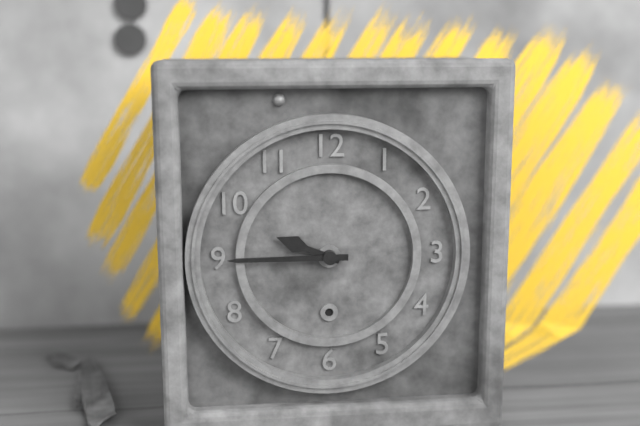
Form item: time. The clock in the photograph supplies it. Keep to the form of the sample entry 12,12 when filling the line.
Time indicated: 9,45
